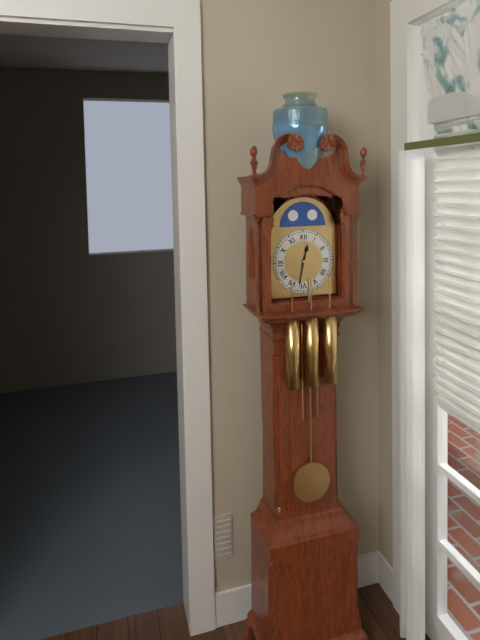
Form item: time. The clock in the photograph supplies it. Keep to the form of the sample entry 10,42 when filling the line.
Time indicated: 12,32
